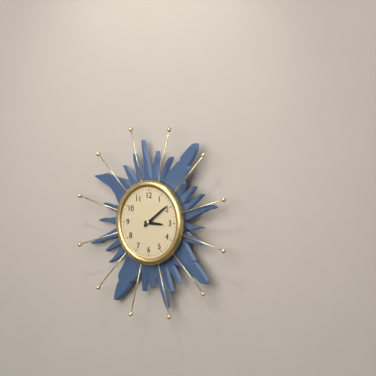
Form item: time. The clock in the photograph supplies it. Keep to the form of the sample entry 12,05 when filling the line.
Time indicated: 3,09
